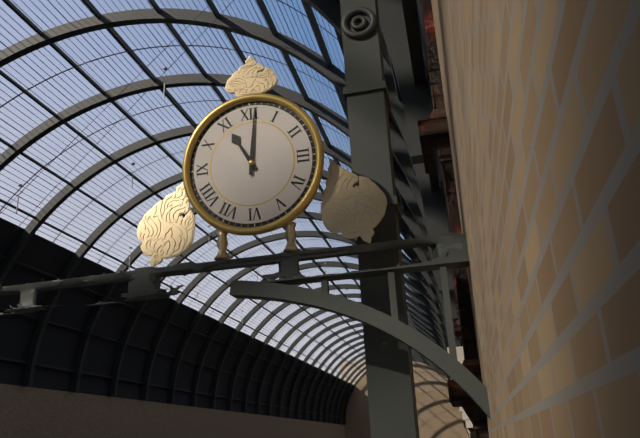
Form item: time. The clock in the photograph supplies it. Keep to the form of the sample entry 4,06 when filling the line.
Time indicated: 11,01
